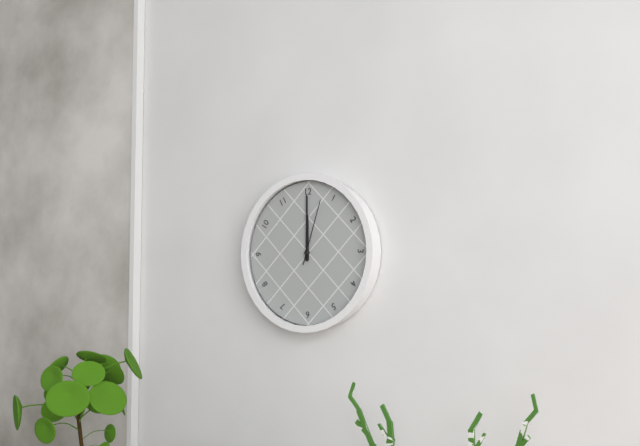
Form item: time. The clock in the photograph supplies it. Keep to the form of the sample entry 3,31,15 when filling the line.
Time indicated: 12,00,03
